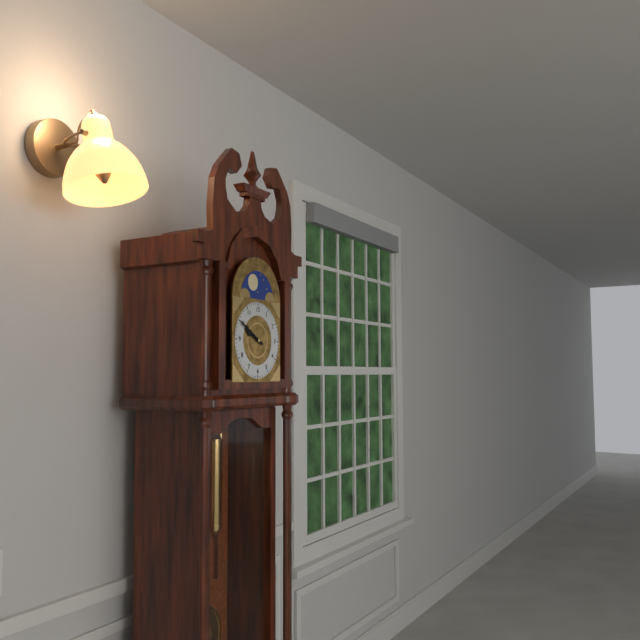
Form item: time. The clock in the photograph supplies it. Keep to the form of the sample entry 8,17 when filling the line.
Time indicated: 9,50
